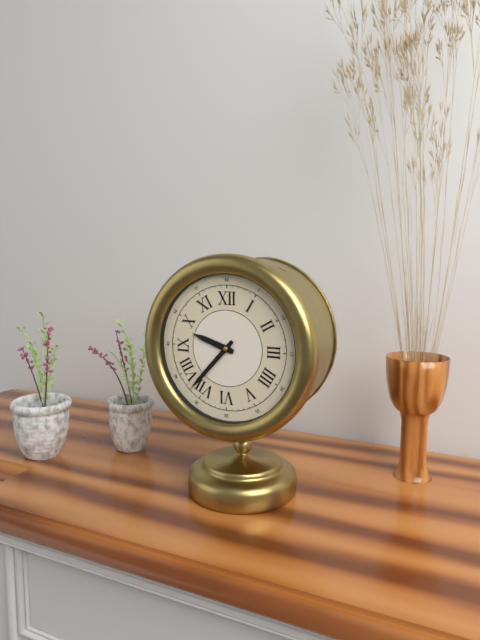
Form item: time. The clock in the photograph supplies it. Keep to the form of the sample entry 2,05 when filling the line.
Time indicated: 9,37
